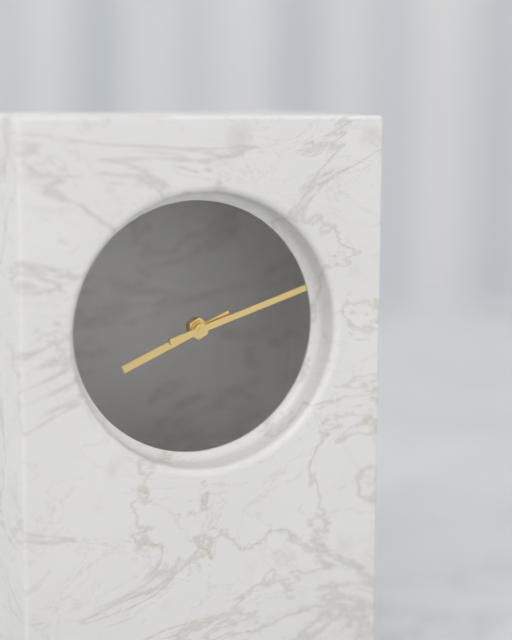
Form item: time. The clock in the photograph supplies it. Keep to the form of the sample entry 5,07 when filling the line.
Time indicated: 8,12
